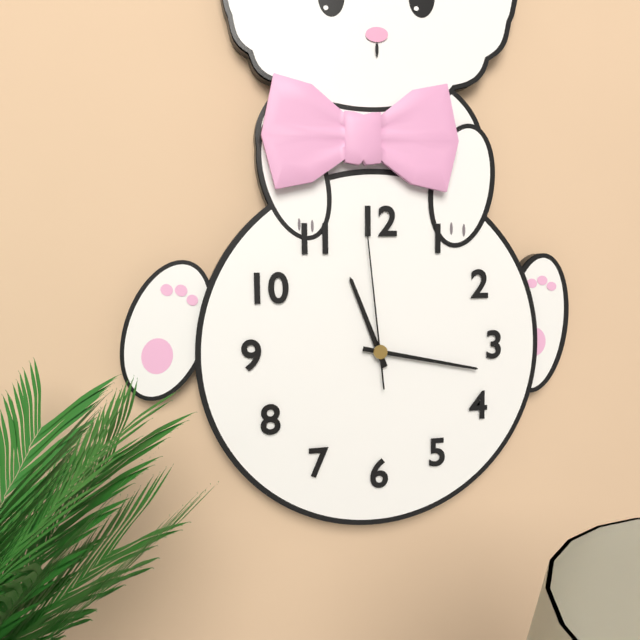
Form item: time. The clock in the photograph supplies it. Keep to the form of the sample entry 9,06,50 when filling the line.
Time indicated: 11,17,59
